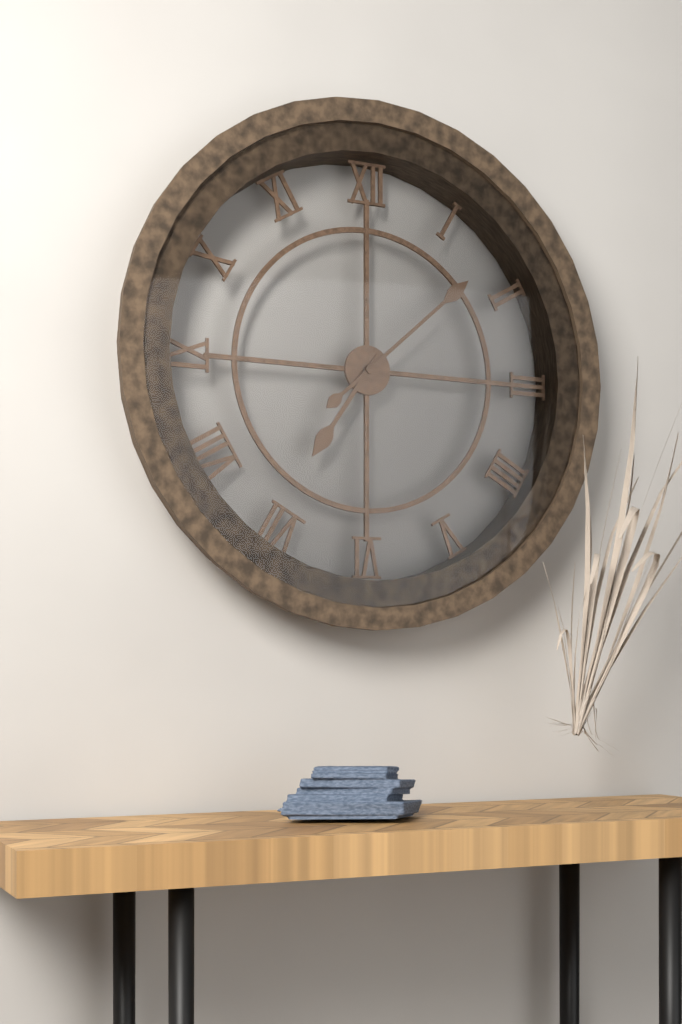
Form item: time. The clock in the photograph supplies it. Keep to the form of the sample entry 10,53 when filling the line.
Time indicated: 7,08
